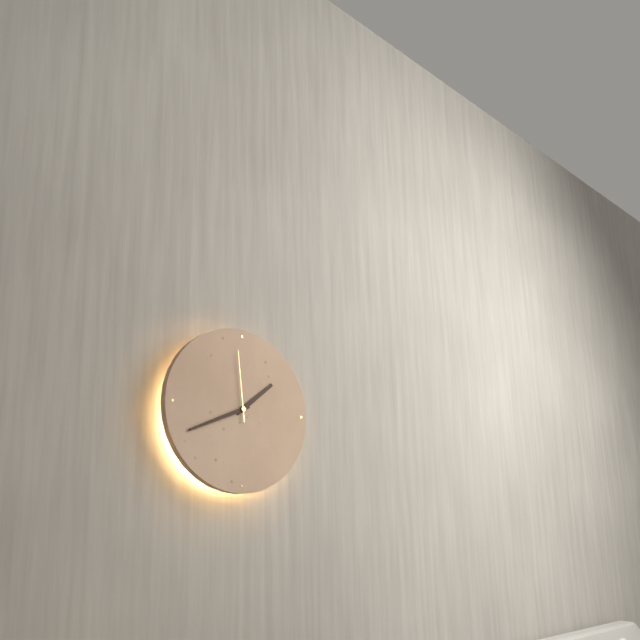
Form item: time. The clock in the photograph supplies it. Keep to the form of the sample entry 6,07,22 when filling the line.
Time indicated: 1,41,59
